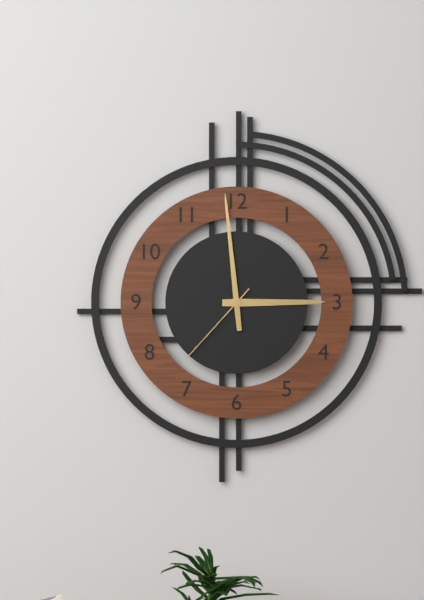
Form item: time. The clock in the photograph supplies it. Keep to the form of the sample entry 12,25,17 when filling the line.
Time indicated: 2,59,37
